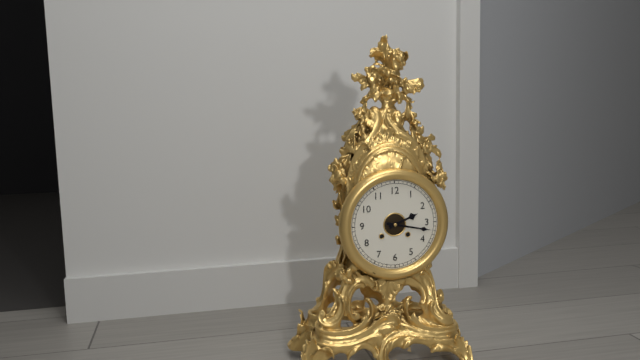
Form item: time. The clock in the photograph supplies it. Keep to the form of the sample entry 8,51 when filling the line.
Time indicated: 2,17
